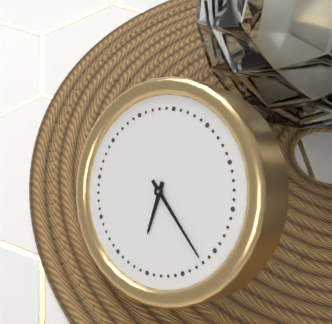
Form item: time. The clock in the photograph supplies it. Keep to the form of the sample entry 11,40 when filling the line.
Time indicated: 5,17
